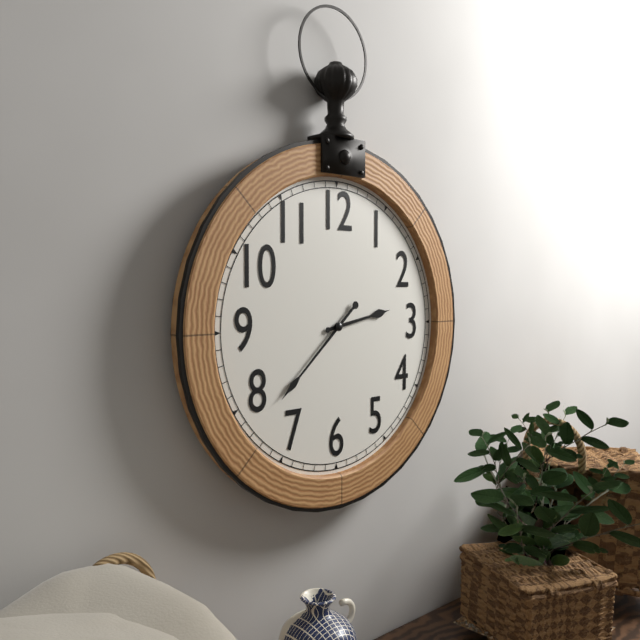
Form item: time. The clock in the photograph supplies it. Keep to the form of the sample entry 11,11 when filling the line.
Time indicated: 2,38
